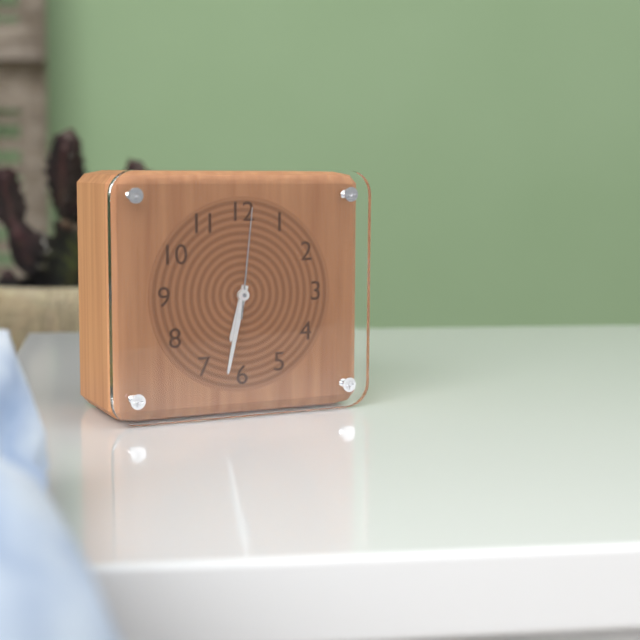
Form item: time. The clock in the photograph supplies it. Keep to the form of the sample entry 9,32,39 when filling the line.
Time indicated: 6,32,01
